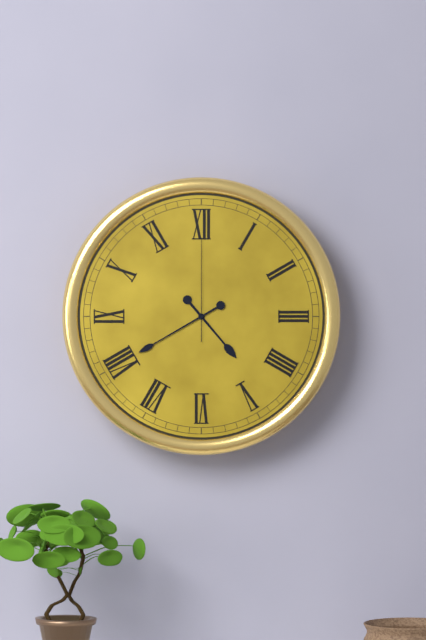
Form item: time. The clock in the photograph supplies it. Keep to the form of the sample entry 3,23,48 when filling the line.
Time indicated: 4,40,00
